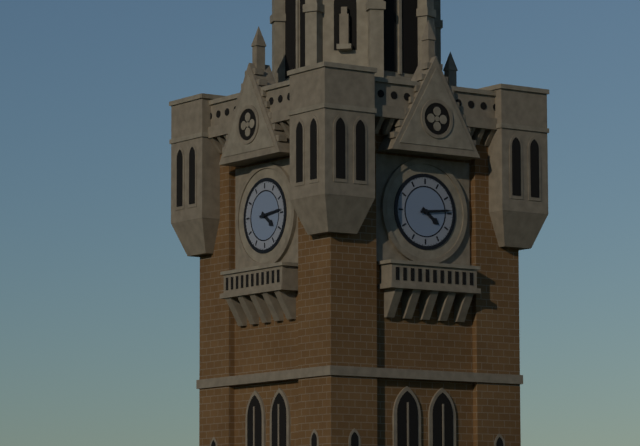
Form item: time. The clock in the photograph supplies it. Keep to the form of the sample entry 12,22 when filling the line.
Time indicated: 4,14
